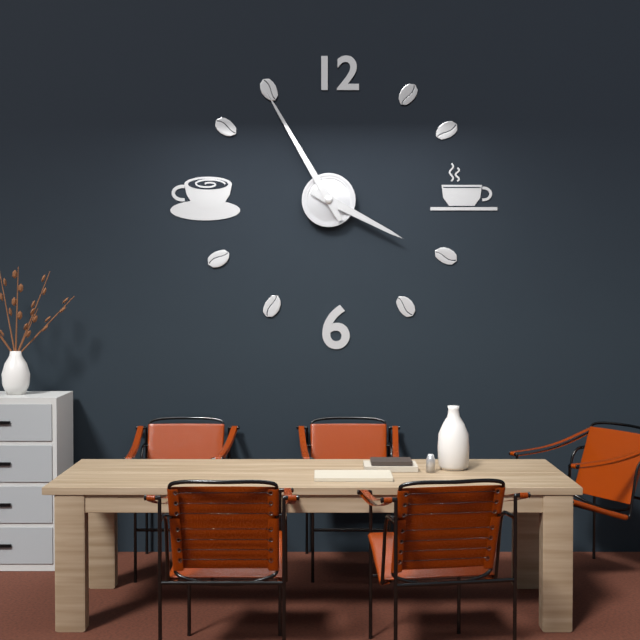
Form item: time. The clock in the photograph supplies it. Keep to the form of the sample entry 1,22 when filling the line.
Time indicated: 3,55
